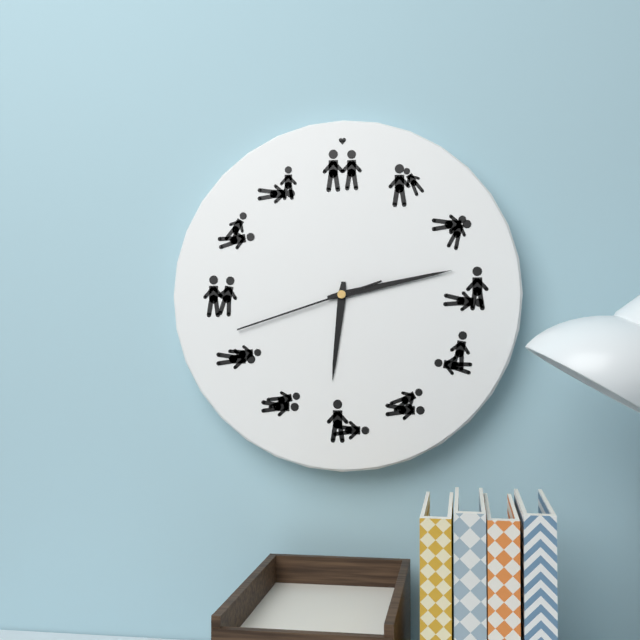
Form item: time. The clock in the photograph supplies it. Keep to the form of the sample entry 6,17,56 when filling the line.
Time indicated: 6,13,42
